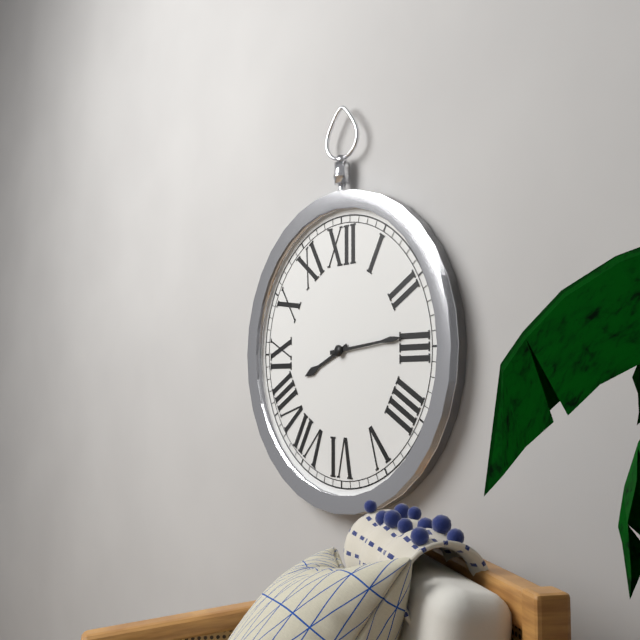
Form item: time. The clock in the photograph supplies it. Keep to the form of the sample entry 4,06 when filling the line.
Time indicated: 8,14
